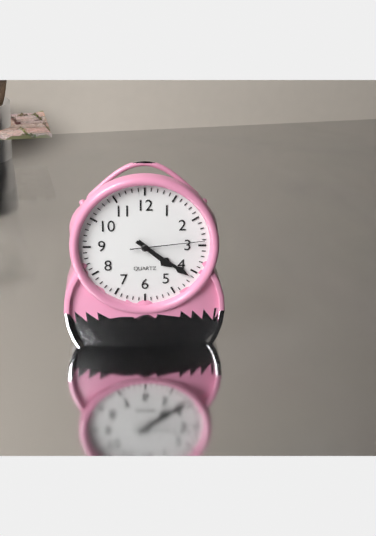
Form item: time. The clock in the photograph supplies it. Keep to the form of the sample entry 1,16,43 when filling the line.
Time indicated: 4,21,14
